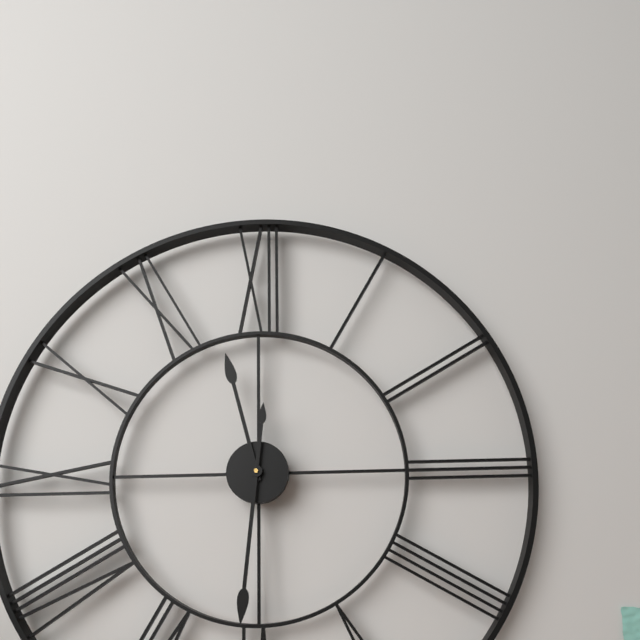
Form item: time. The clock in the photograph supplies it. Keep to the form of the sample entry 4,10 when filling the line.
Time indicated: 11,31
